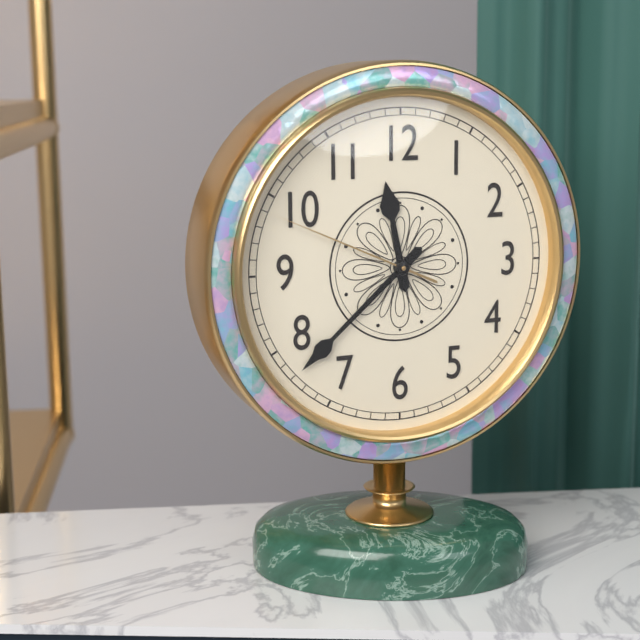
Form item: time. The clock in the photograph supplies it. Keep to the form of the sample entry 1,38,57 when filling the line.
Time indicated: 11,38,49
